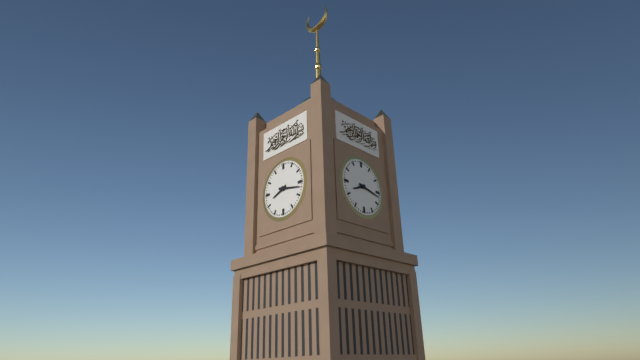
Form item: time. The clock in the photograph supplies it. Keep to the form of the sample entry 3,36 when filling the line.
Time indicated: 8,17
